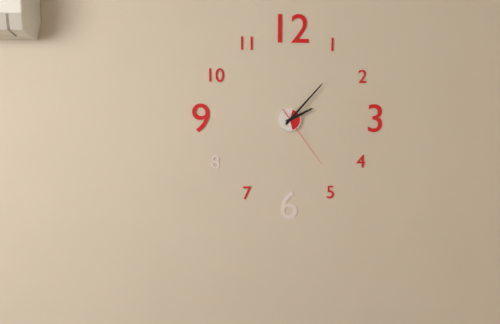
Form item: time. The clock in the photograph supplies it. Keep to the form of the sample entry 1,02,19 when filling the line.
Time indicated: 2,07,24
